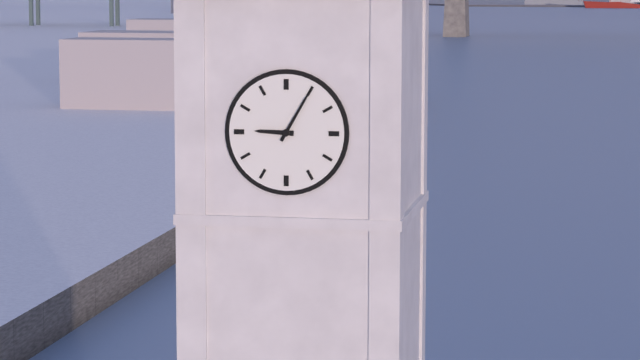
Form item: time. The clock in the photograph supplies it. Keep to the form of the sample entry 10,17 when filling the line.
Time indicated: 9,05
